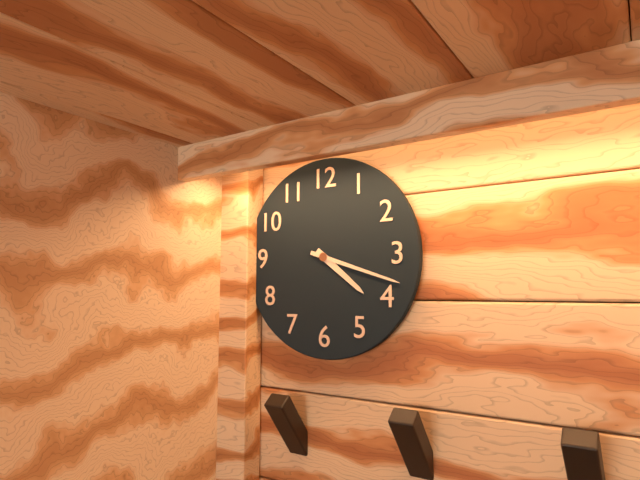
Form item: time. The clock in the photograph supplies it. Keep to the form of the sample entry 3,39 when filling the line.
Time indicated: 4,18
